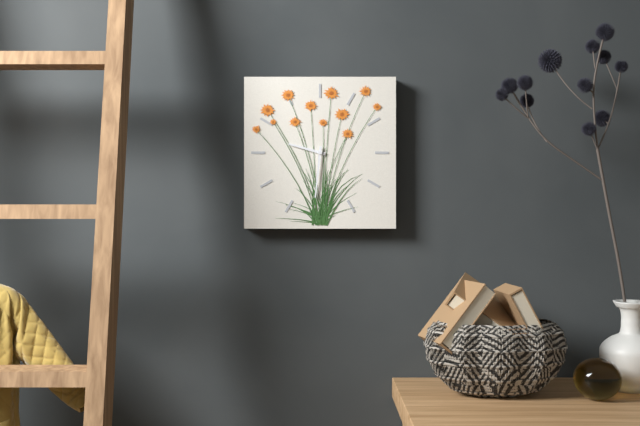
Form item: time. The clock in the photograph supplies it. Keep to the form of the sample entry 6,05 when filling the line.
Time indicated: 9,31
